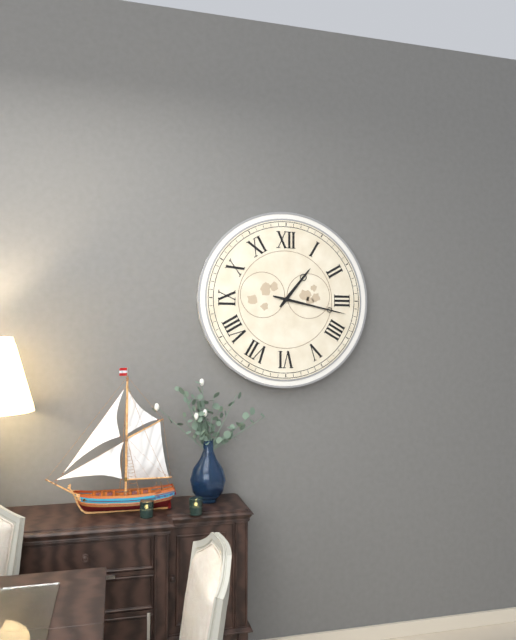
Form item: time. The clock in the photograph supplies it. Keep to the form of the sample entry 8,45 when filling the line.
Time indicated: 1,17
